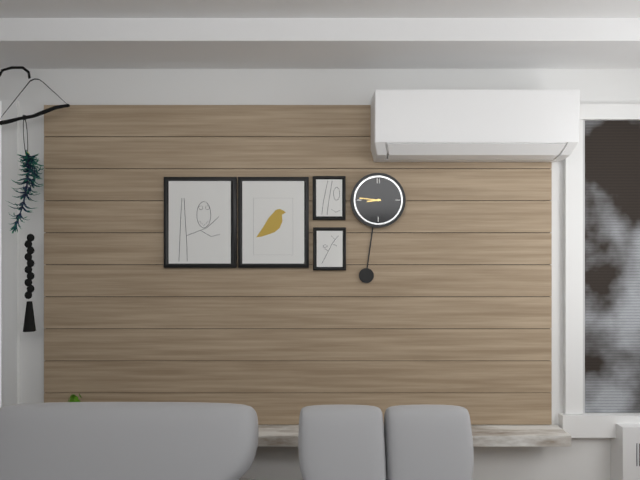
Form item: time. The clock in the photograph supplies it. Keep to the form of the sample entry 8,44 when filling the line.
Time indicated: 8,46
